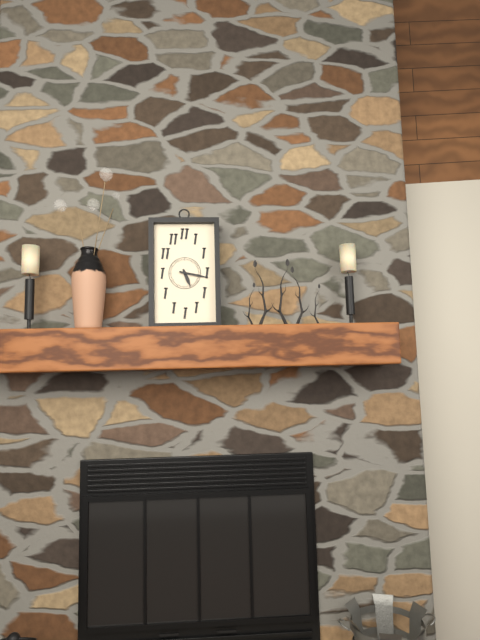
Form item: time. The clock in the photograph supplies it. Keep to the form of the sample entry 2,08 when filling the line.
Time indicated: 5,17
